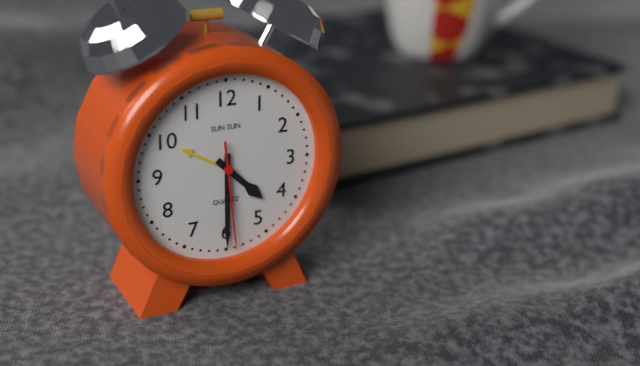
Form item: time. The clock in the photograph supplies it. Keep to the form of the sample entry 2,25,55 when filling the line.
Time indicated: 4,30,29
